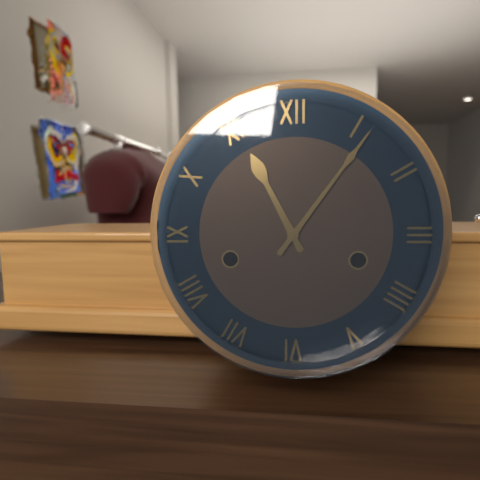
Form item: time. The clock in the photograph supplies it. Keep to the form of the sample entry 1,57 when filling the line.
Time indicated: 11,06
